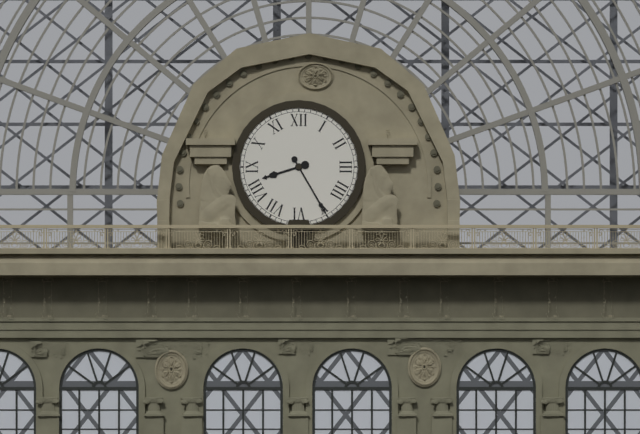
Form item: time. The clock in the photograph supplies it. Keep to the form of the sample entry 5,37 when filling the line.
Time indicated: 8,25
